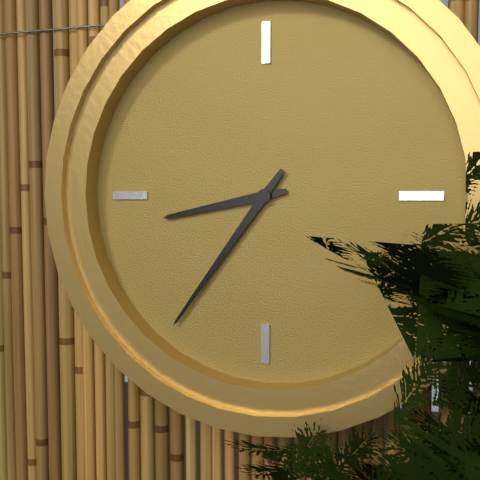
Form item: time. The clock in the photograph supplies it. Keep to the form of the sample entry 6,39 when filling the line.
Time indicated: 8,36
